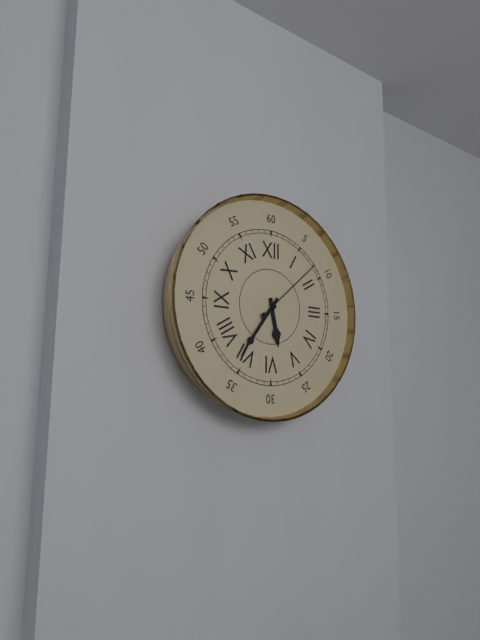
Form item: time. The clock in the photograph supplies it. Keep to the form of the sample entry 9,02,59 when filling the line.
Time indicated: 5,36,08
